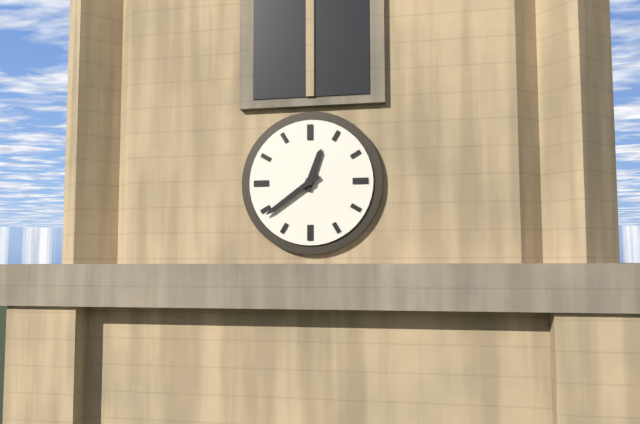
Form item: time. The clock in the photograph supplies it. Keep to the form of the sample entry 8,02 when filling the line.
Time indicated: 12,39
